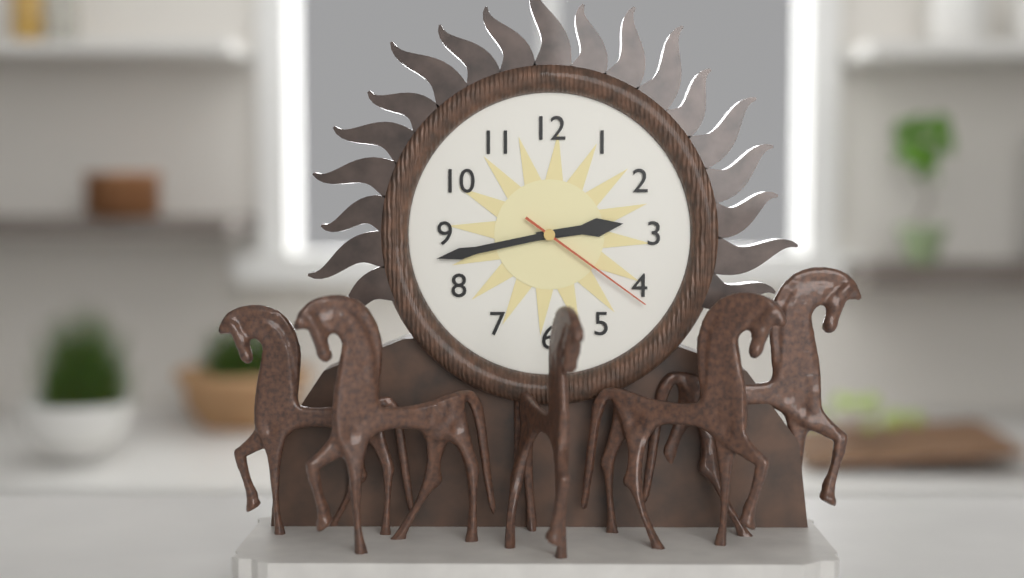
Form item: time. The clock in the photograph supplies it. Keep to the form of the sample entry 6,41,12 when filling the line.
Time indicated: 2,43,21
